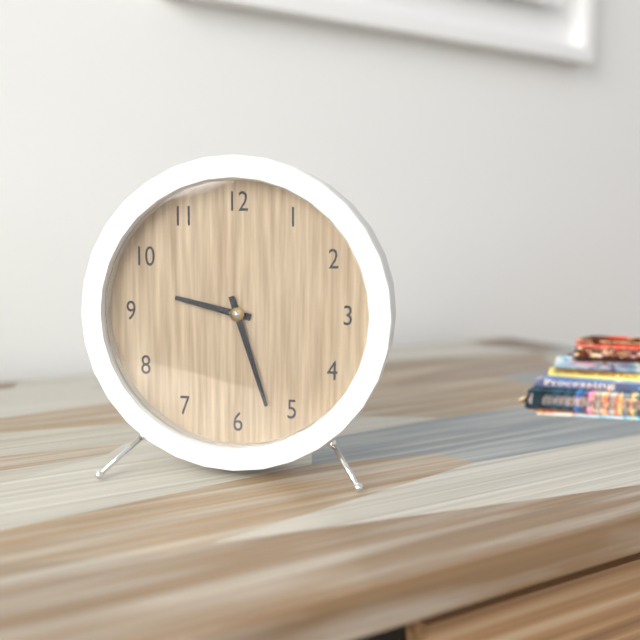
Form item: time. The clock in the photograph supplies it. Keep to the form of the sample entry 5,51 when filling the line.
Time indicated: 9,27
